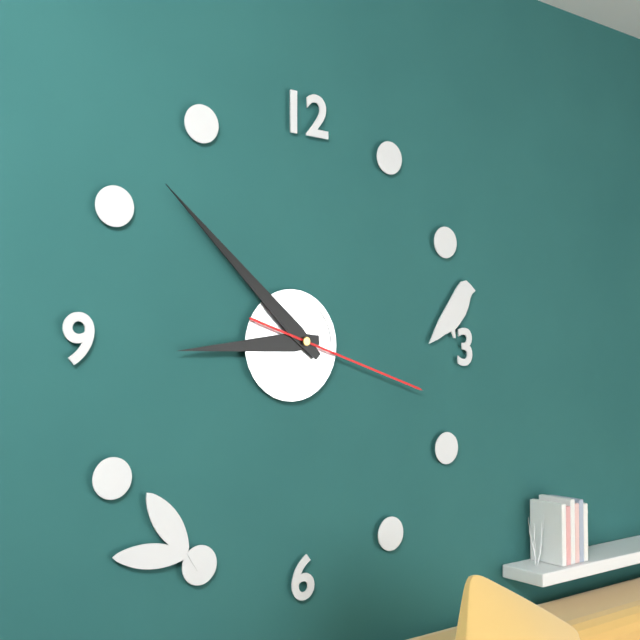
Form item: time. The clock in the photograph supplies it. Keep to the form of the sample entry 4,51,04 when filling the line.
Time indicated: 8,52,18
